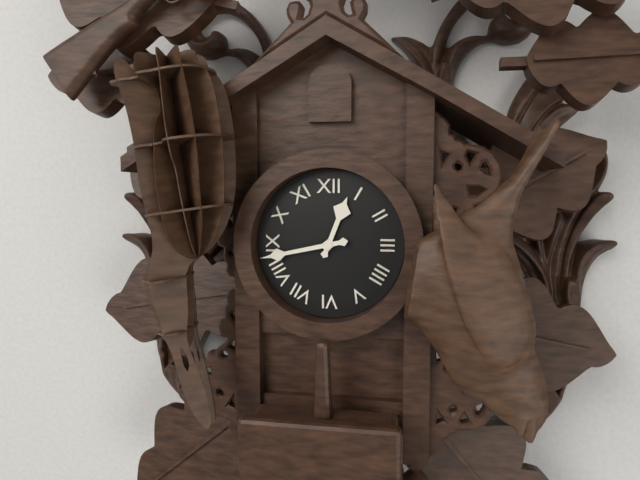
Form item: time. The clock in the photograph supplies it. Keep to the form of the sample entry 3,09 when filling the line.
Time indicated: 12,43
